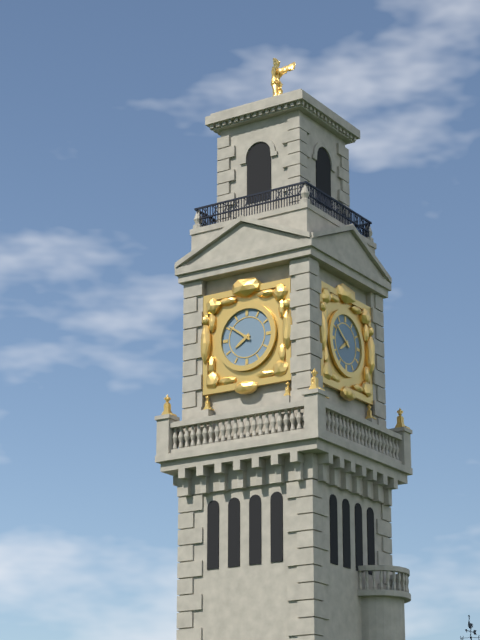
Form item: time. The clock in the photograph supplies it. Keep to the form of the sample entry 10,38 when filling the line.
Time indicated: 7,51
